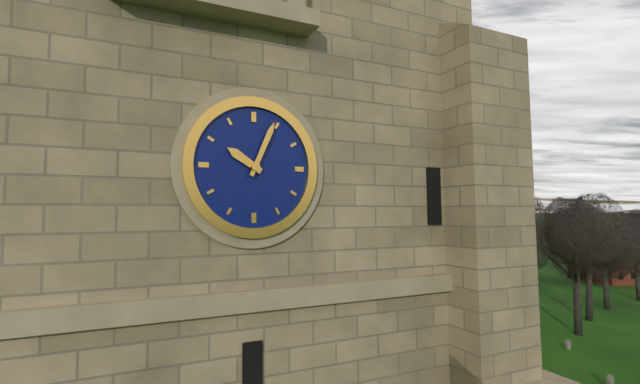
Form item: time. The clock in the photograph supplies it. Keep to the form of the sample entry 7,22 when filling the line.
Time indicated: 10,04
